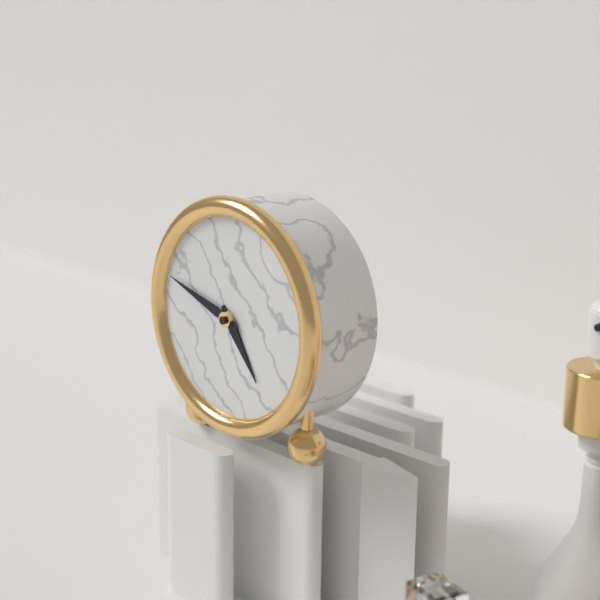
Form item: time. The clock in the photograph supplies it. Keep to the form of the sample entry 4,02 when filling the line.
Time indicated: 4,48
